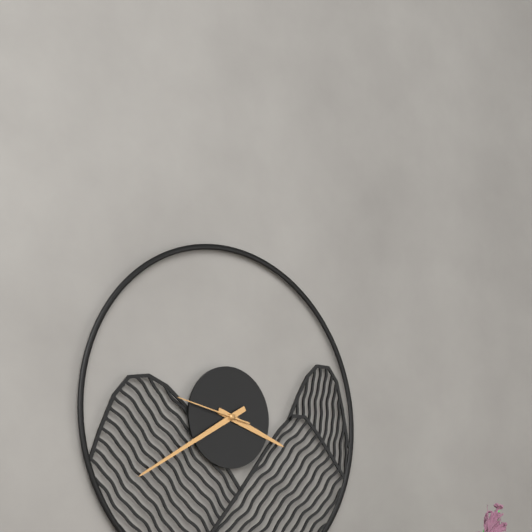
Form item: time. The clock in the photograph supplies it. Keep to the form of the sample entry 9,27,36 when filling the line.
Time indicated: 3,40,47
